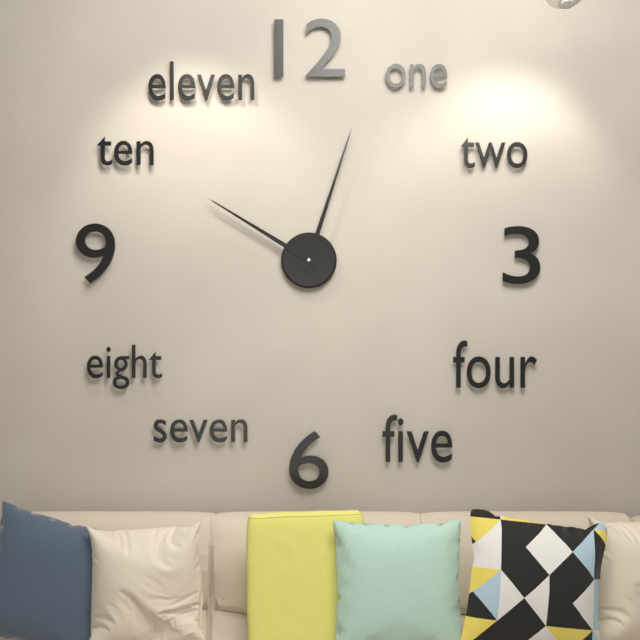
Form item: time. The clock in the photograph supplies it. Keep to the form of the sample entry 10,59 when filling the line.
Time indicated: 10,03
